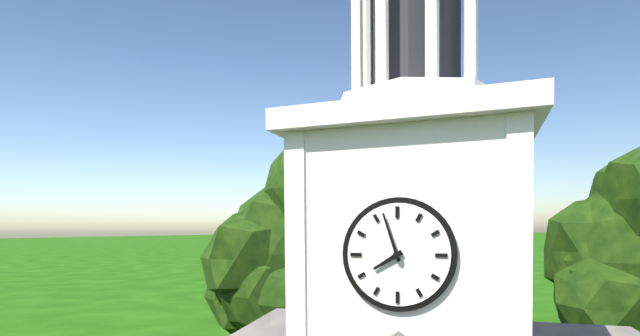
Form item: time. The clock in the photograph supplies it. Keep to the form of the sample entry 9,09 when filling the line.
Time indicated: 7,57
